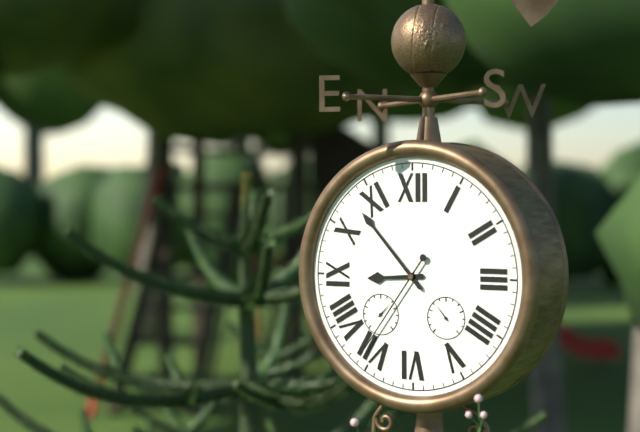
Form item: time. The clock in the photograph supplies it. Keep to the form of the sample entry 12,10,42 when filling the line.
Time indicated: 8,53,36
